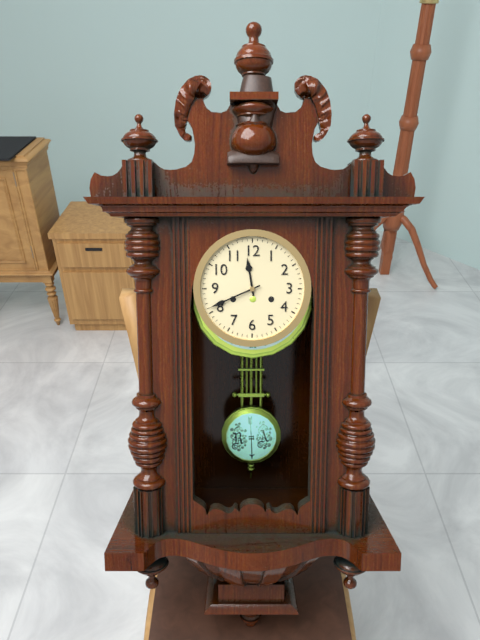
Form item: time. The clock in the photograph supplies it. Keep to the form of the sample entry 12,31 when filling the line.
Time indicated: 11,41
